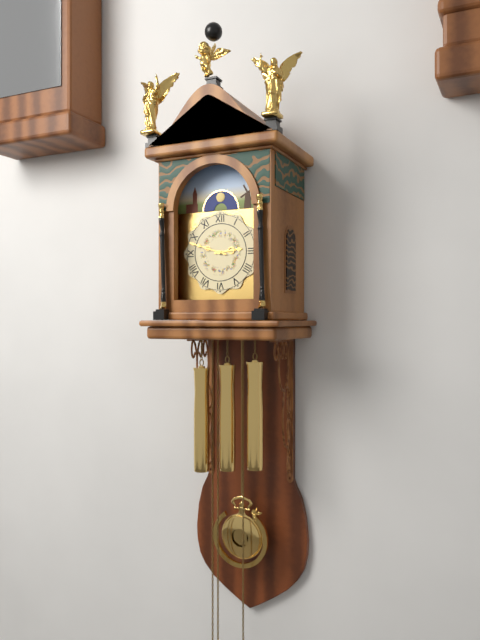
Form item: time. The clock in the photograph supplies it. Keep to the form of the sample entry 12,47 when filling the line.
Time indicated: 2,48
